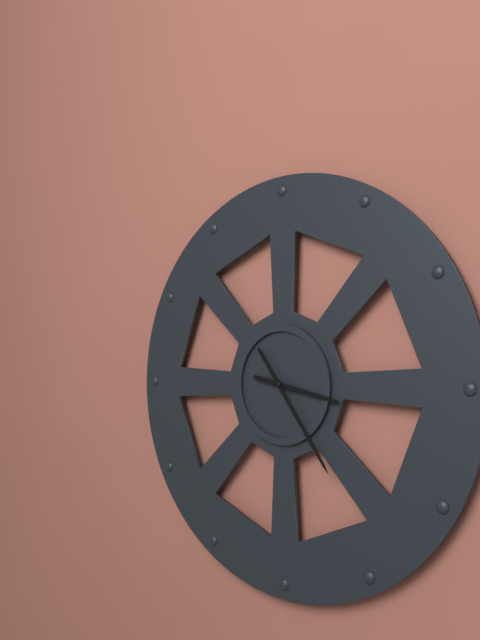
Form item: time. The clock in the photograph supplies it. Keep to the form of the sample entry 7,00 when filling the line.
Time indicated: 3,24
